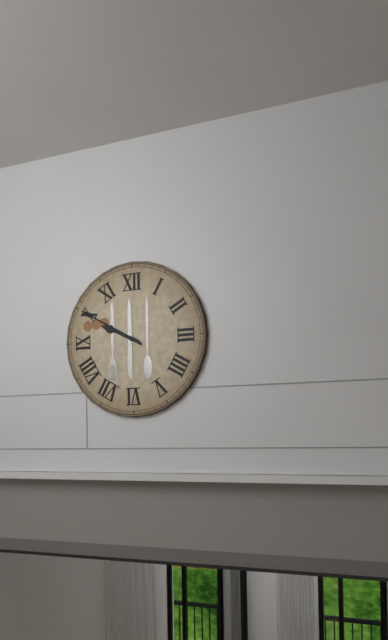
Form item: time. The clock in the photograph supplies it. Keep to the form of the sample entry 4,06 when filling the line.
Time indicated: 9,50
